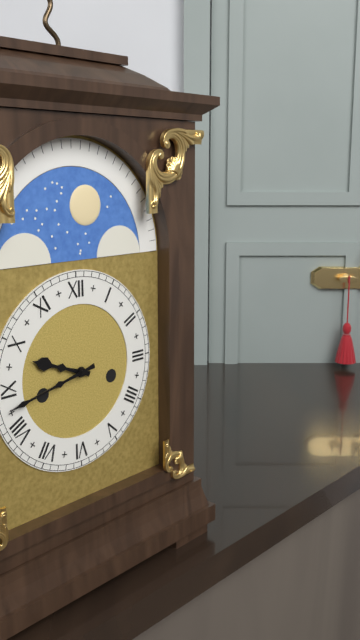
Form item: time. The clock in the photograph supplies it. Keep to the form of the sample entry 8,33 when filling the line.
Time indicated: 9,43
